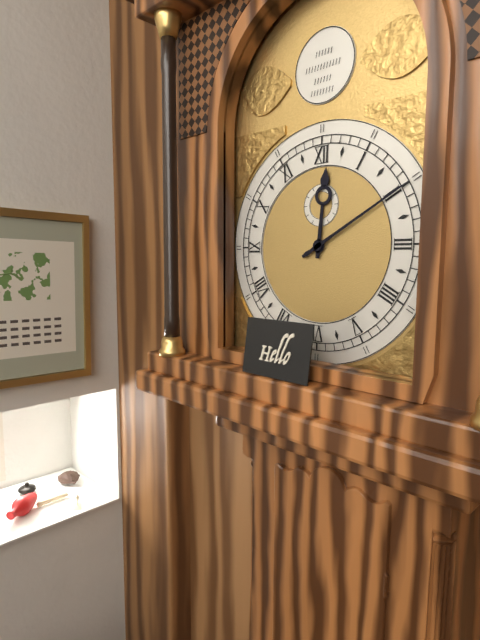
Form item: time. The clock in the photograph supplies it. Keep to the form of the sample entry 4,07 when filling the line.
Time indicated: 12,10
